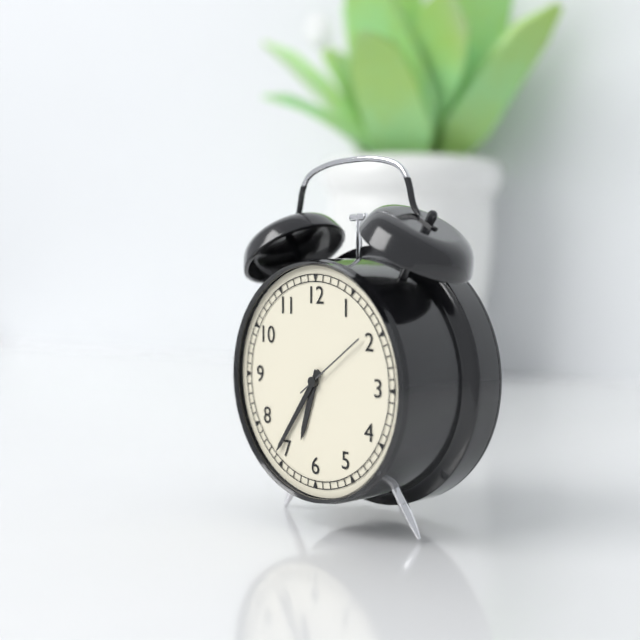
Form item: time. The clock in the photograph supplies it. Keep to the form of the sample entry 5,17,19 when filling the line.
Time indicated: 6,36,09
